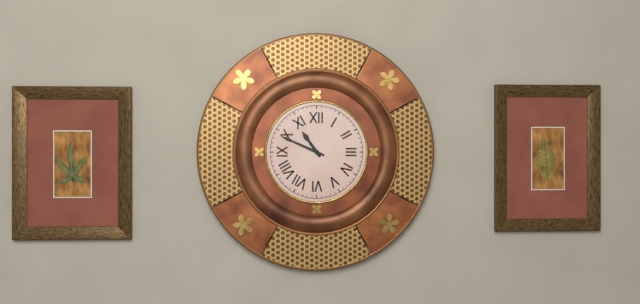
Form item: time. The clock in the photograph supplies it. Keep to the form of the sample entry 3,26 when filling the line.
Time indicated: 10,49
